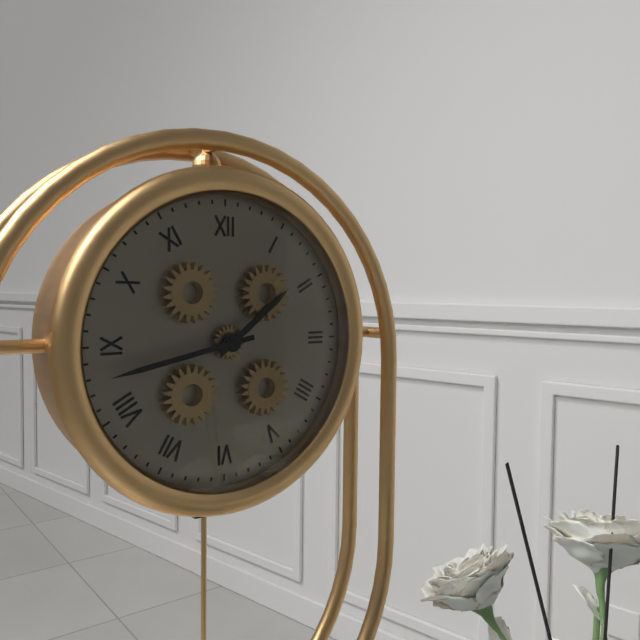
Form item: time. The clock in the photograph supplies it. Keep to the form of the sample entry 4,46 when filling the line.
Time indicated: 1,43
